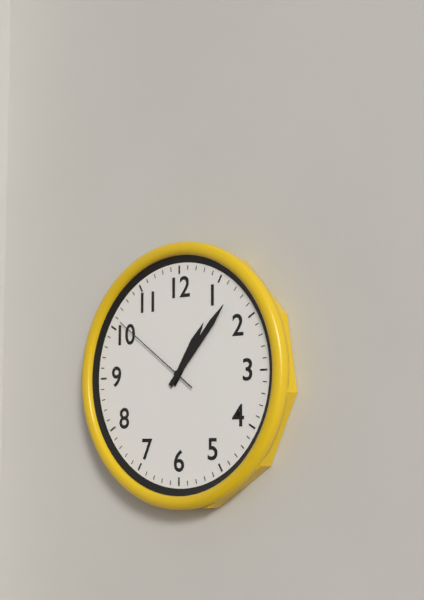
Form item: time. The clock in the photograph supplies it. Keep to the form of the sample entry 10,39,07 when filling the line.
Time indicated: 1,07,51
